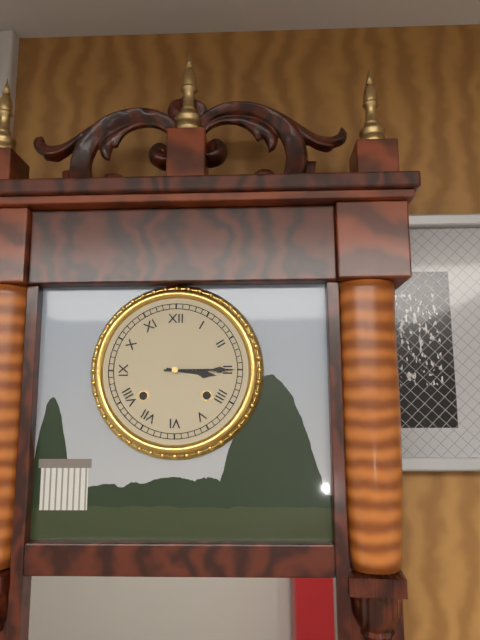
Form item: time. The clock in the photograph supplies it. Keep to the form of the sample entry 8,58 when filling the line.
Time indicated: 3,15
